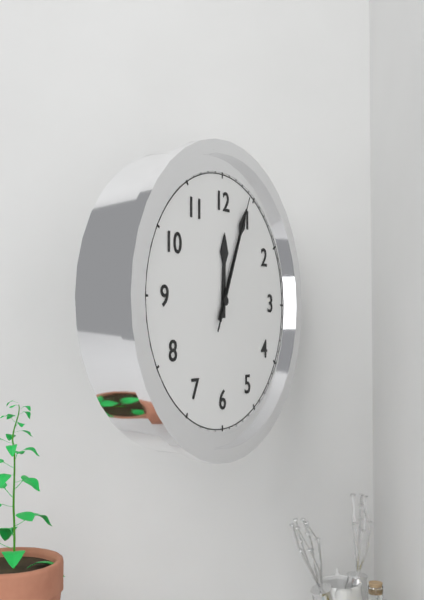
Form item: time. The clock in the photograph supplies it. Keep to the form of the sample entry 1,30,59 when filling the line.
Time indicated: 12,04,04
